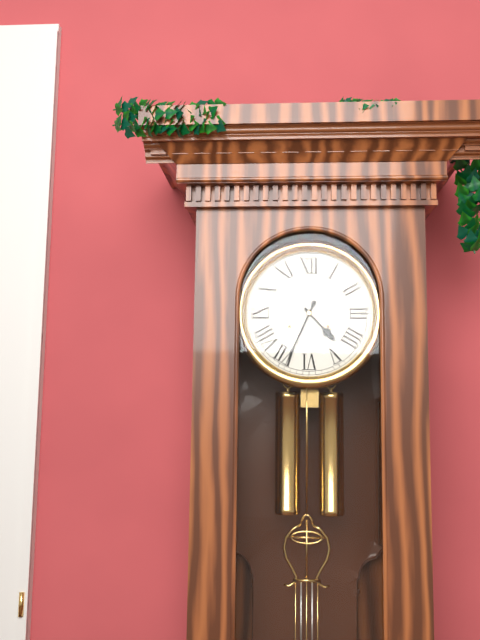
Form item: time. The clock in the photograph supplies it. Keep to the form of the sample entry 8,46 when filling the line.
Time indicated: 4,34
